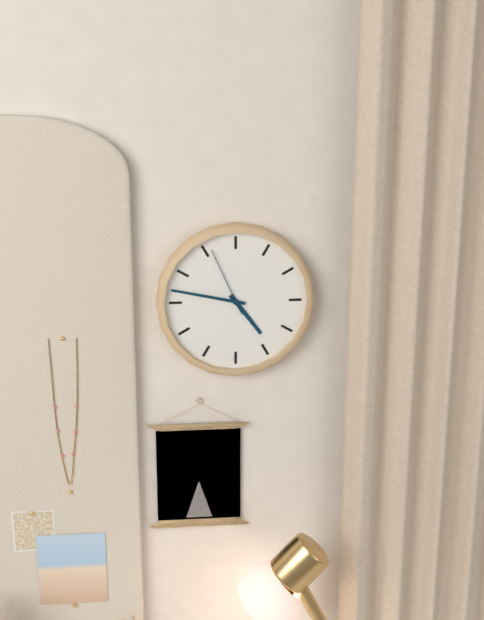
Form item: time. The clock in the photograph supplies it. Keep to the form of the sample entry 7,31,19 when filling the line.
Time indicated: 4,47,56
